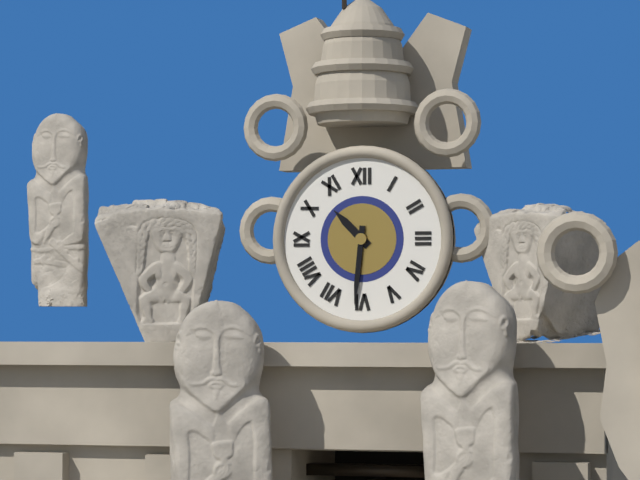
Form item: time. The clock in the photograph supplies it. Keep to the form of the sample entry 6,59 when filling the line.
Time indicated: 10,31
